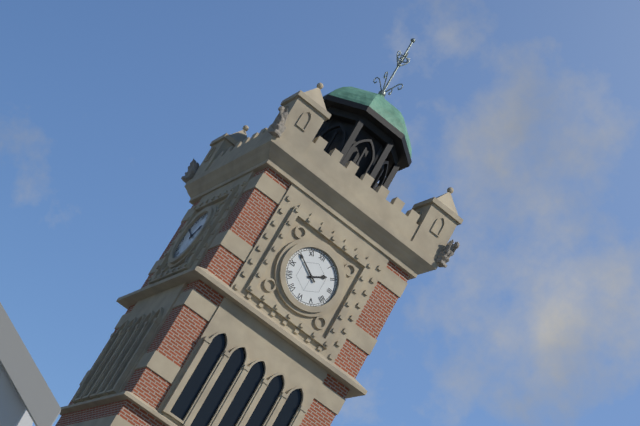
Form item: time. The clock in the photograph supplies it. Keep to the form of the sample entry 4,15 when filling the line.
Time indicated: 1,50
